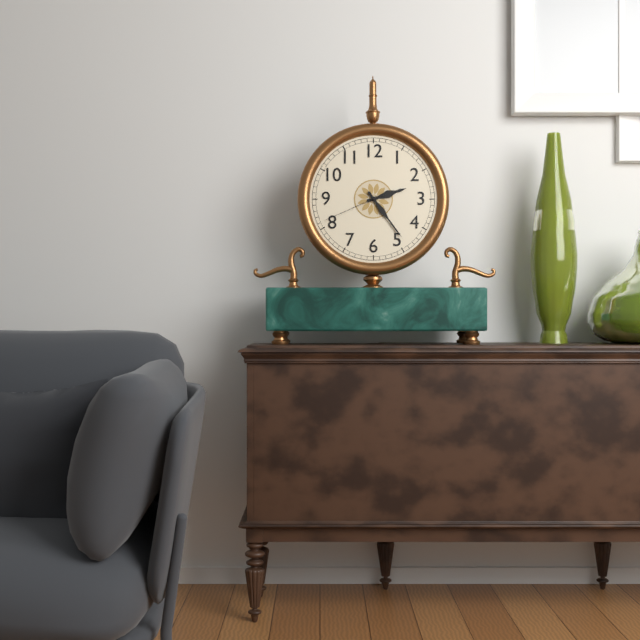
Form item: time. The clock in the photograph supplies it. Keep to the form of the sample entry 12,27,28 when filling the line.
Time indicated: 2,24,41
